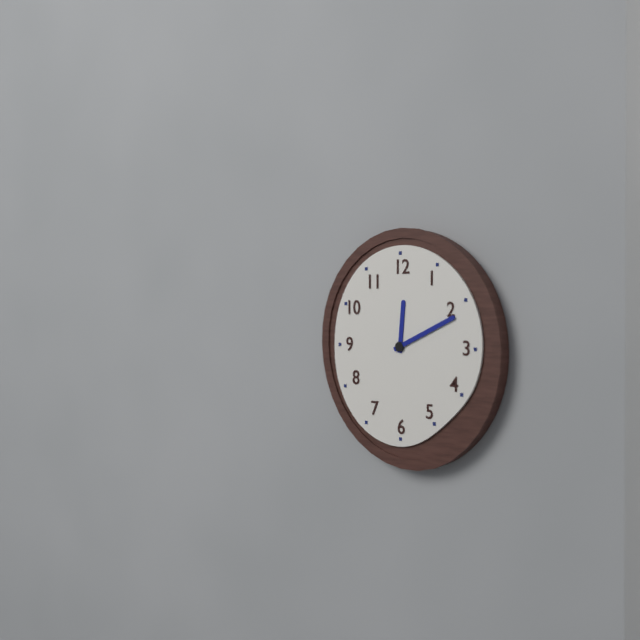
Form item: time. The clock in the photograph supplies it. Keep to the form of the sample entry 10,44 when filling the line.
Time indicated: 12,11
